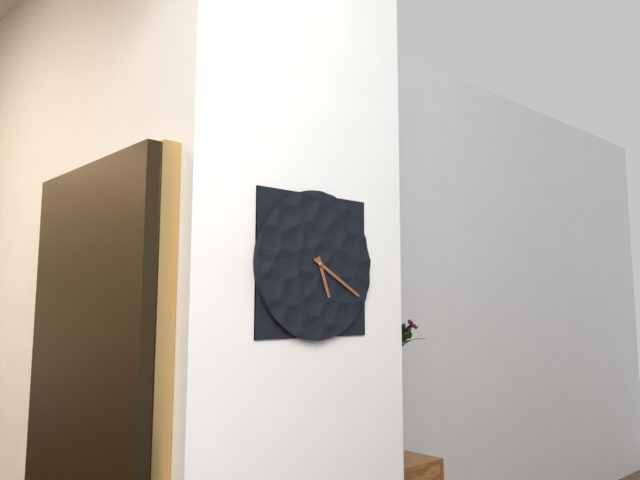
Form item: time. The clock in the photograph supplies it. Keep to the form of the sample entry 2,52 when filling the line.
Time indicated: 5,20
